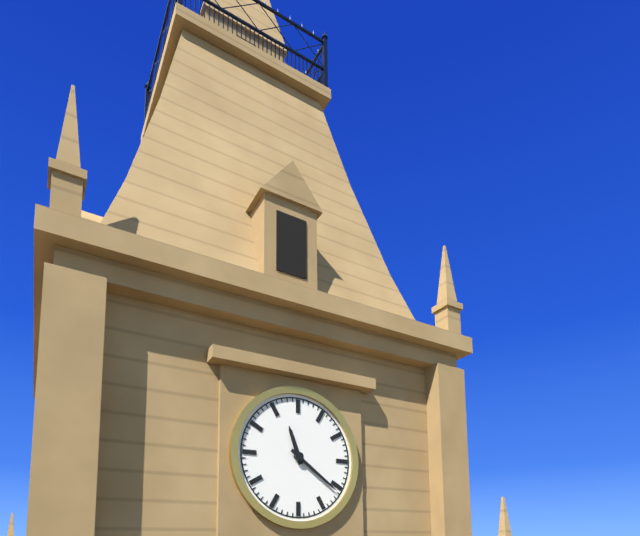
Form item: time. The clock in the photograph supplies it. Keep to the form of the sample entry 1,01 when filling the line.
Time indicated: 11,21
